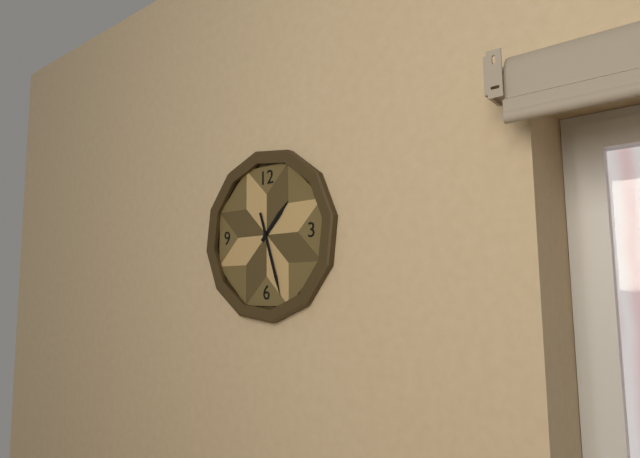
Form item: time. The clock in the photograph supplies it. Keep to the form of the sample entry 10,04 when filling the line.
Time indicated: 1,27
